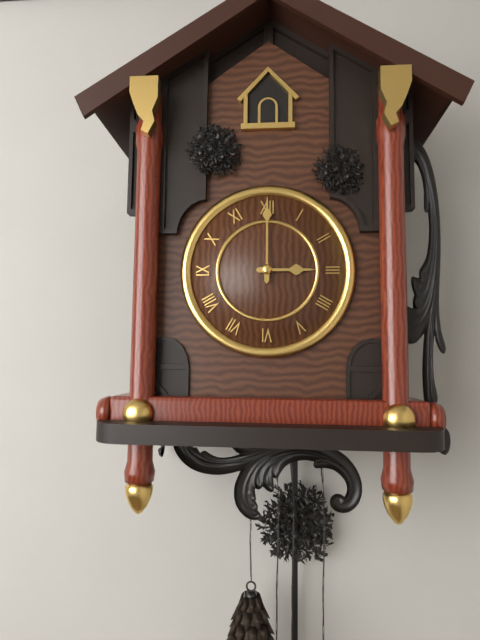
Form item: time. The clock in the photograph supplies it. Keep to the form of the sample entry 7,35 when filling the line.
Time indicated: 3,00
